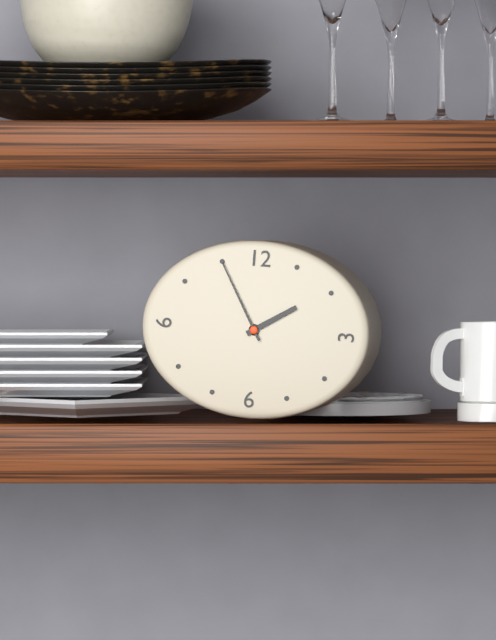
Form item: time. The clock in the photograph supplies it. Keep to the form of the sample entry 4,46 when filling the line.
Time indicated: 1,55
